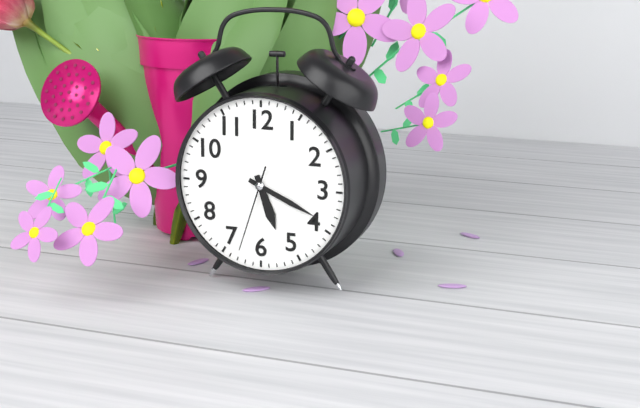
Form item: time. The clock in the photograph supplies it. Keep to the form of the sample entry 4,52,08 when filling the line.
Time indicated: 5,19,33
